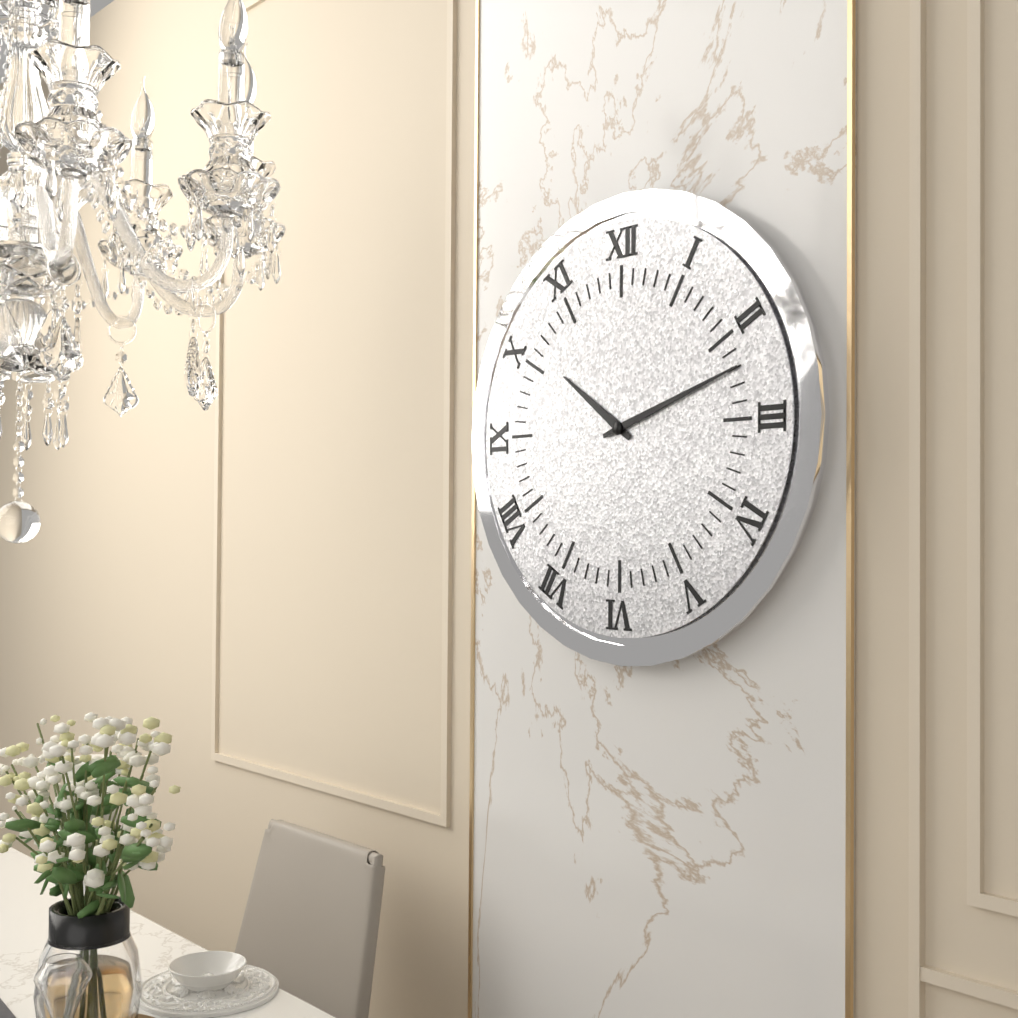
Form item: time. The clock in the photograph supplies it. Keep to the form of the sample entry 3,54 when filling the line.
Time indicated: 10,12
